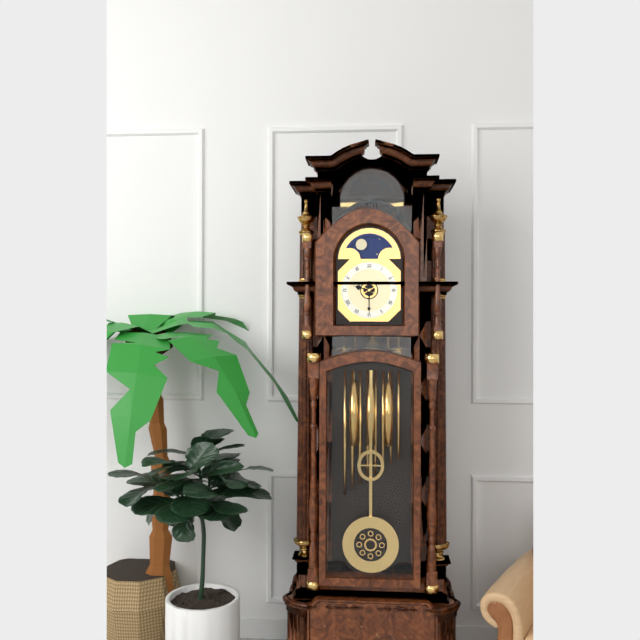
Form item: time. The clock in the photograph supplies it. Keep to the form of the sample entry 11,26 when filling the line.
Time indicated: 9,30
